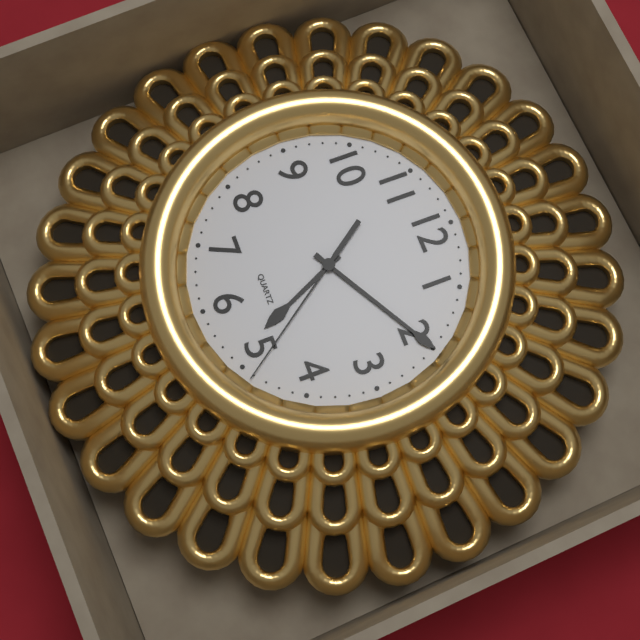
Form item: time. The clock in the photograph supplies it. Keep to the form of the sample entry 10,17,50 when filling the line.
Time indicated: 5,10,24
